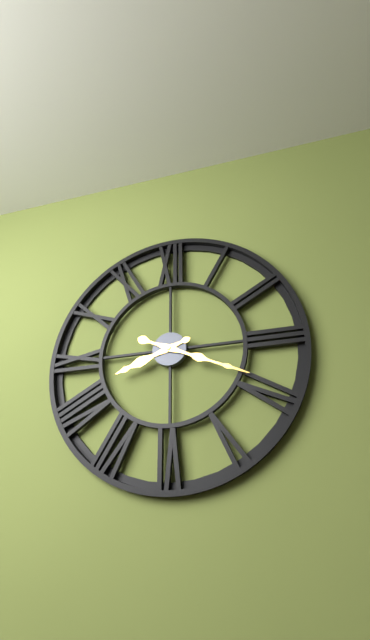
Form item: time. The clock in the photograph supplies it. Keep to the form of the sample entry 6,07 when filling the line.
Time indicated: 8,19
